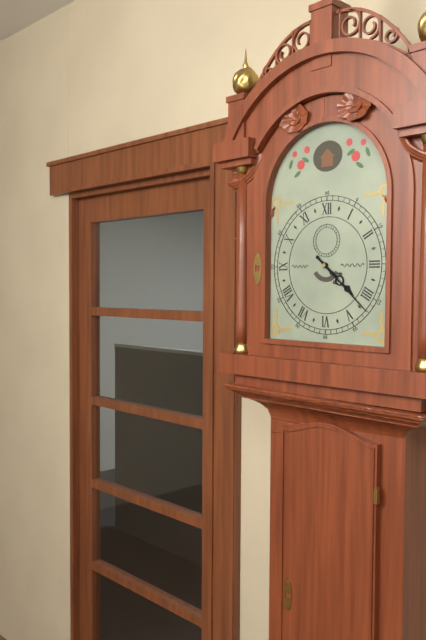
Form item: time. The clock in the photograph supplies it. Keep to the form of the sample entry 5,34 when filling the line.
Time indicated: 4,22
